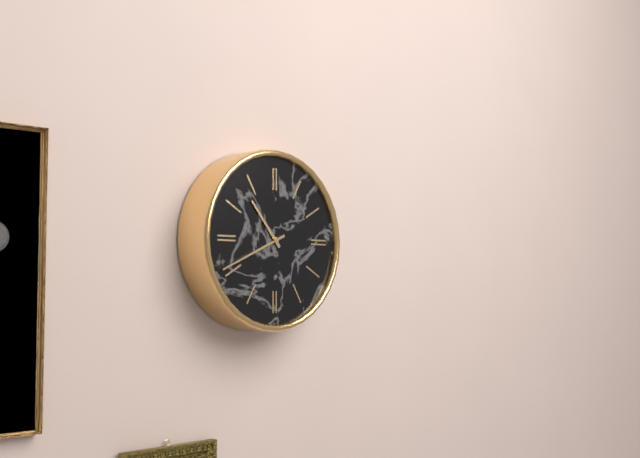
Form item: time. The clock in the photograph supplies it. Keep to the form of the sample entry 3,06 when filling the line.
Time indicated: 10,41
